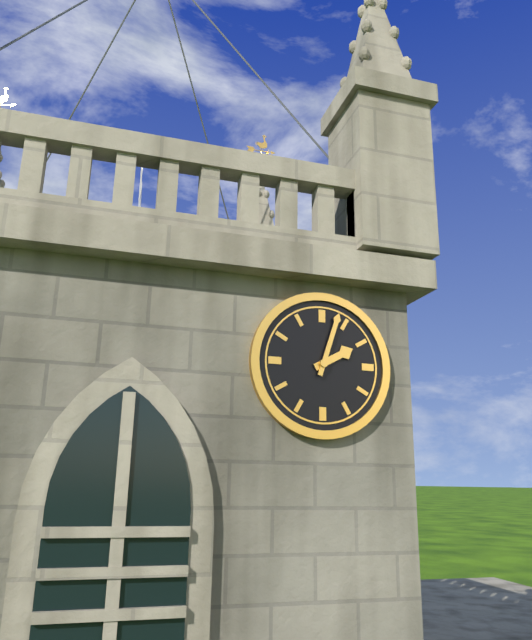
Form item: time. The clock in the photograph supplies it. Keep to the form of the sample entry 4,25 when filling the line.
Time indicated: 2,03
